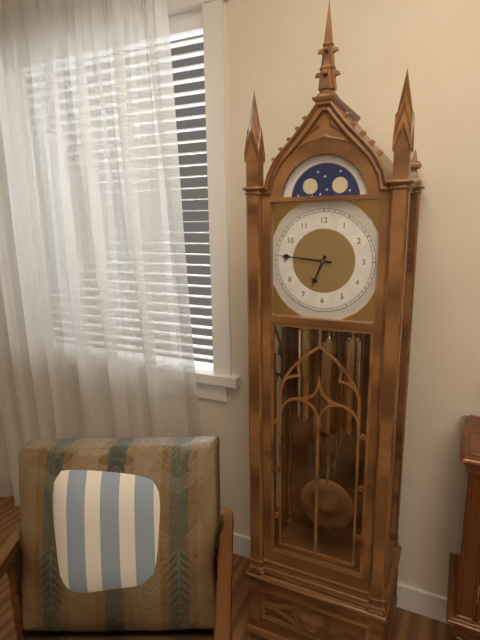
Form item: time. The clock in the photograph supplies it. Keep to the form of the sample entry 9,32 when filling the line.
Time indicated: 6,46
